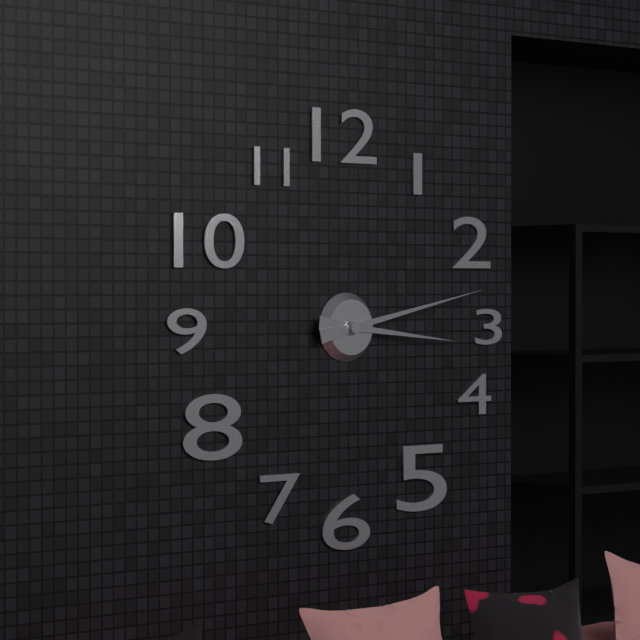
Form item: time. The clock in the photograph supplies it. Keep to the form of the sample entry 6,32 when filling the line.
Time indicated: 3,13
